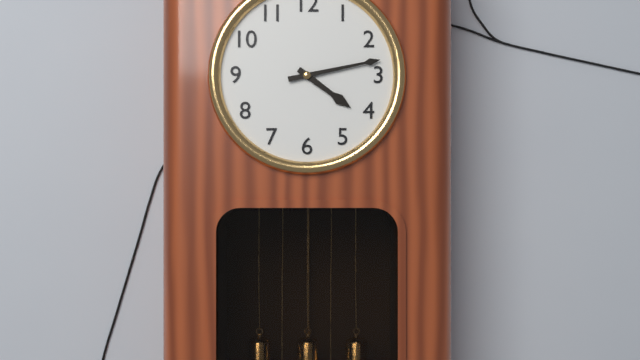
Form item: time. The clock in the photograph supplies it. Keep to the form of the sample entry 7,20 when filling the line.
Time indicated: 4,13
